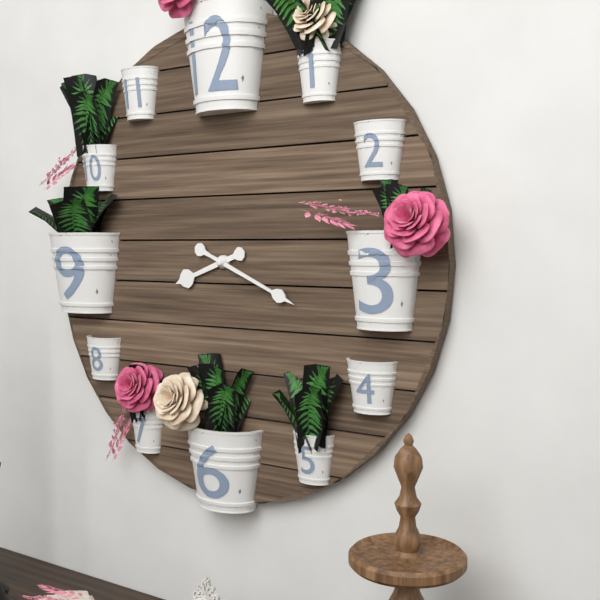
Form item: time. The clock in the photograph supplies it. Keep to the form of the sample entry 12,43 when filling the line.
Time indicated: 8,19
